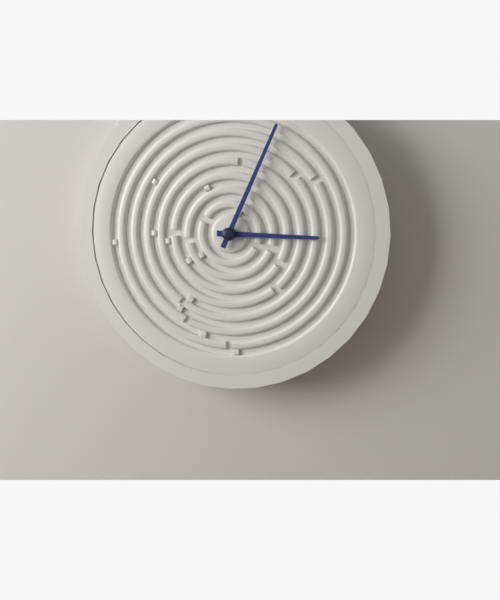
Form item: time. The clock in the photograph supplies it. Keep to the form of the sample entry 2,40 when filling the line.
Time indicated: 3,04
